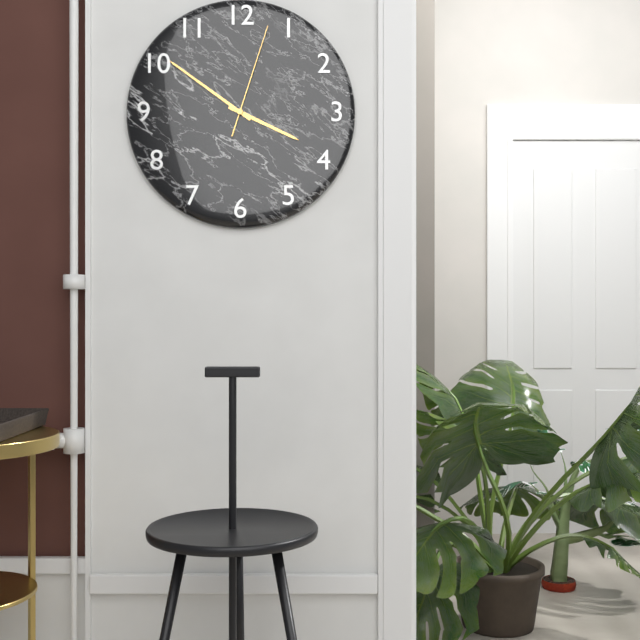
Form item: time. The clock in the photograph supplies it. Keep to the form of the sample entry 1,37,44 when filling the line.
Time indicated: 3,51,03
